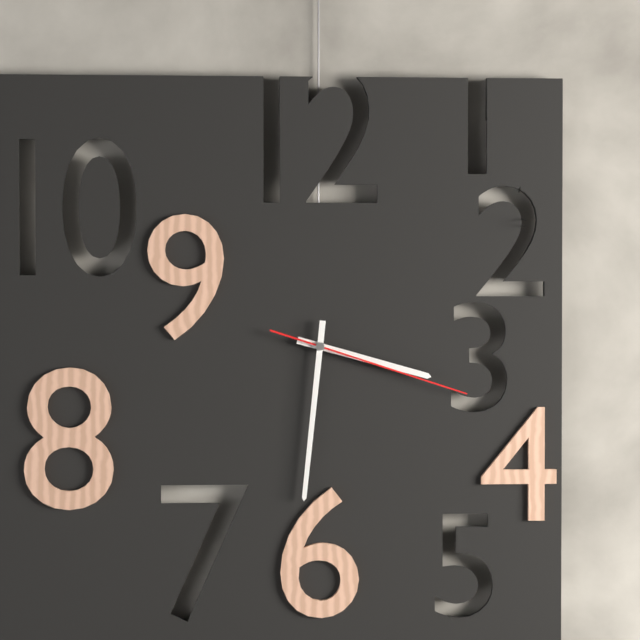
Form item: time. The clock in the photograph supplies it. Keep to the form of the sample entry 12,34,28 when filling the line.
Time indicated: 3,31,18
